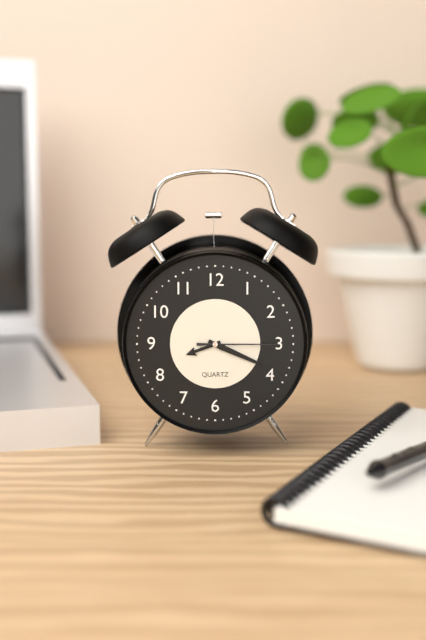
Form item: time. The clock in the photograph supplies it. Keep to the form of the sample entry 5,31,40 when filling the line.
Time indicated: 8,19,15
